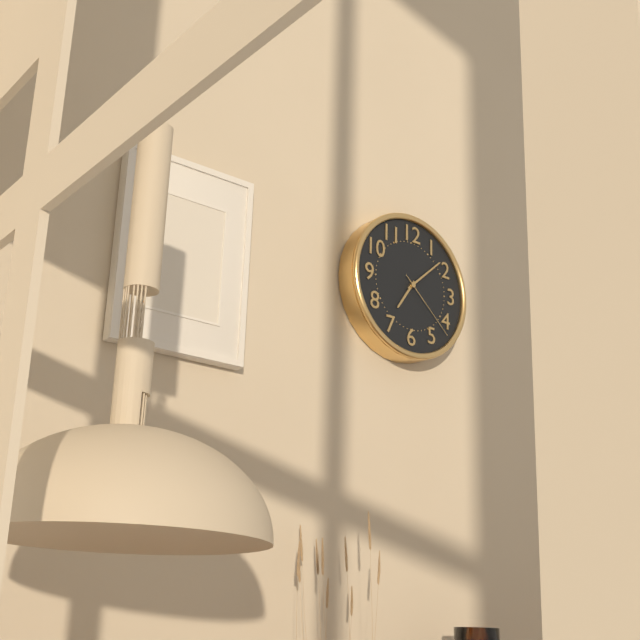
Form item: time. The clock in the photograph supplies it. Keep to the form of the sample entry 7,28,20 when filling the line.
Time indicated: 7,08,22
